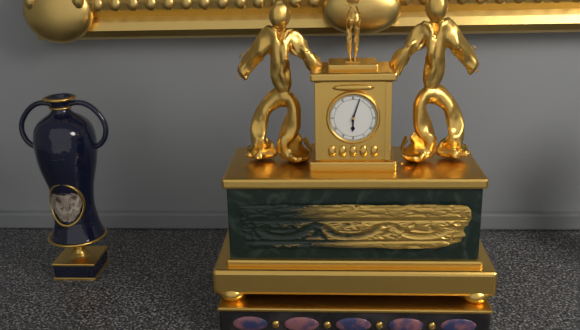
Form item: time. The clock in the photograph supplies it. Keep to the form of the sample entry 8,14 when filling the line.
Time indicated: 6,03
